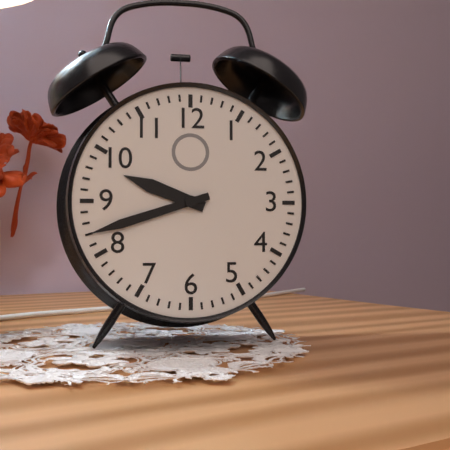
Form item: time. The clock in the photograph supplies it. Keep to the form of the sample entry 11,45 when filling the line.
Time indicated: 9,42
